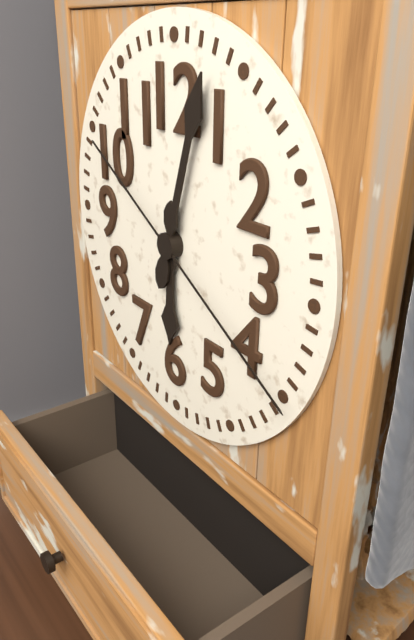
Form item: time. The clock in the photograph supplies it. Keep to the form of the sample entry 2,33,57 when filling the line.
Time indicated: 6,03,20
